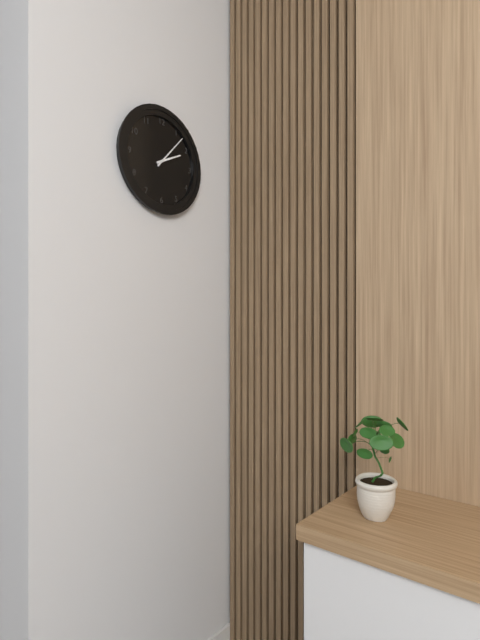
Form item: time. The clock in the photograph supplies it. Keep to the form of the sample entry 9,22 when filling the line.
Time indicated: 2,07
